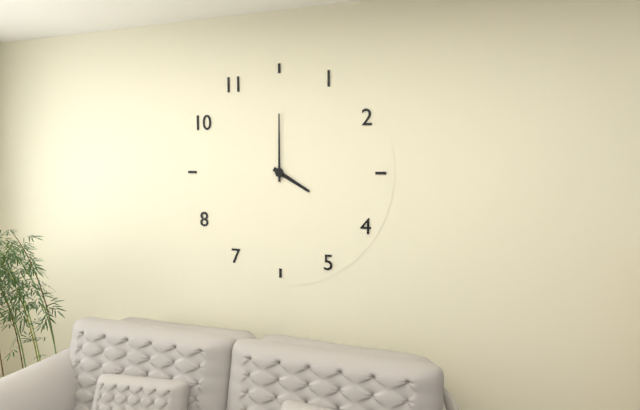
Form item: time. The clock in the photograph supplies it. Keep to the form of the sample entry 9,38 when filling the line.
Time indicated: 4,00
